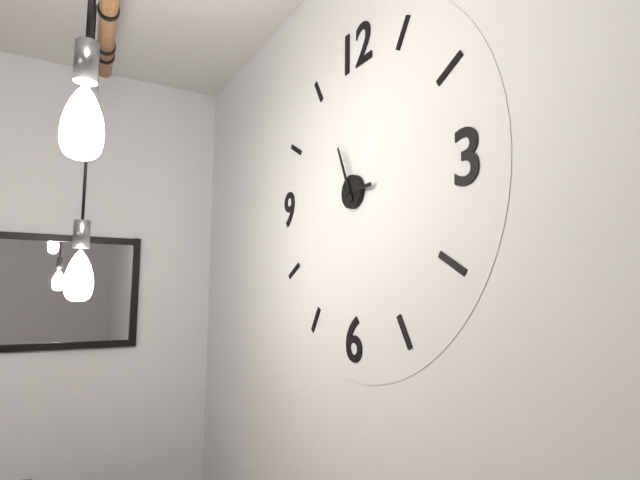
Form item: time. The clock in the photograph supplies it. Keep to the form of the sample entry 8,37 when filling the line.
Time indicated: 2,56
